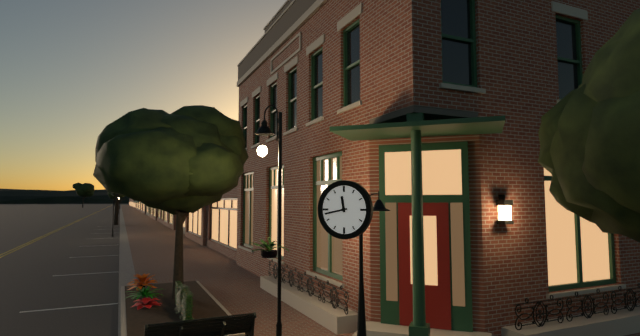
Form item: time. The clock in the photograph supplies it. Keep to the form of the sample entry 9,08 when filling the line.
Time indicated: 11,43
